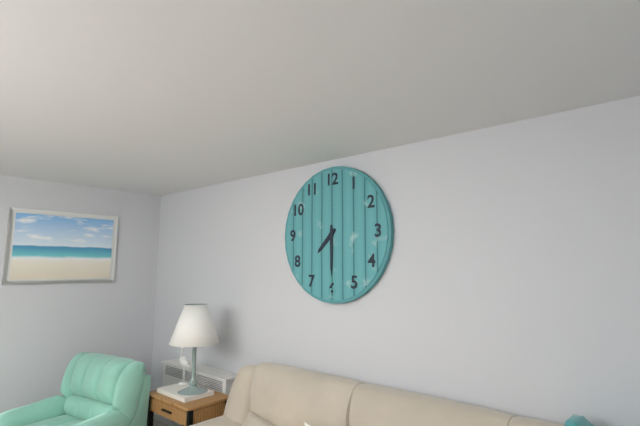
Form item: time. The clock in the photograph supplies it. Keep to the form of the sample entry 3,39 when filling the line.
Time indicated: 7,30
